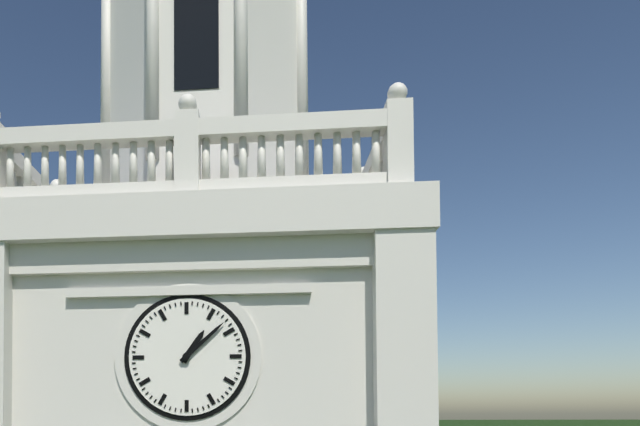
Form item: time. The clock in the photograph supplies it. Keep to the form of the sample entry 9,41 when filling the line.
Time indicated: 1,08
